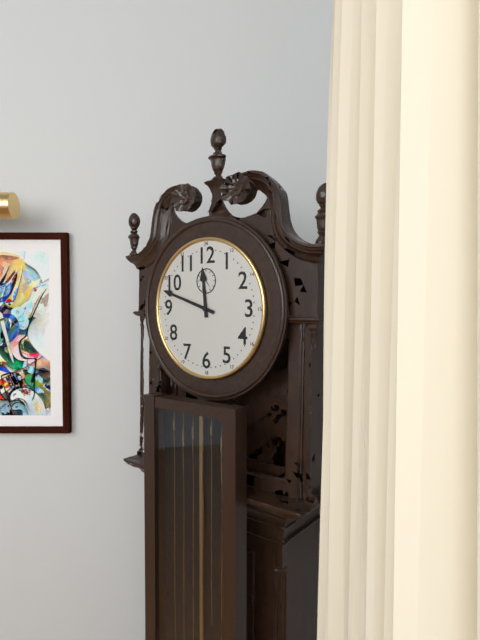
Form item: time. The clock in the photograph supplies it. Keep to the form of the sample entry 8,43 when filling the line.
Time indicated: 11,48
